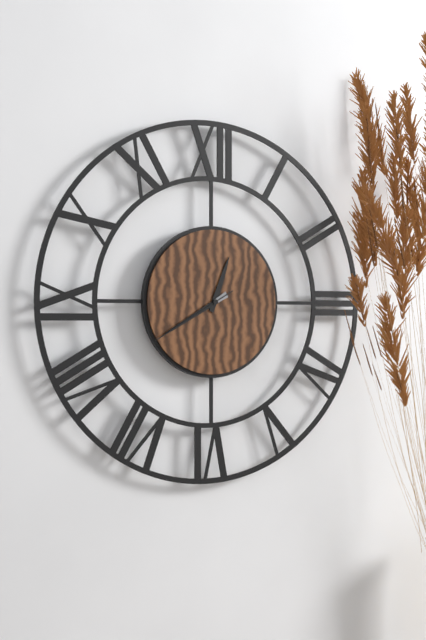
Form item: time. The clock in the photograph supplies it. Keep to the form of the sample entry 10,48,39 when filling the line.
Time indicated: 12,40,40
